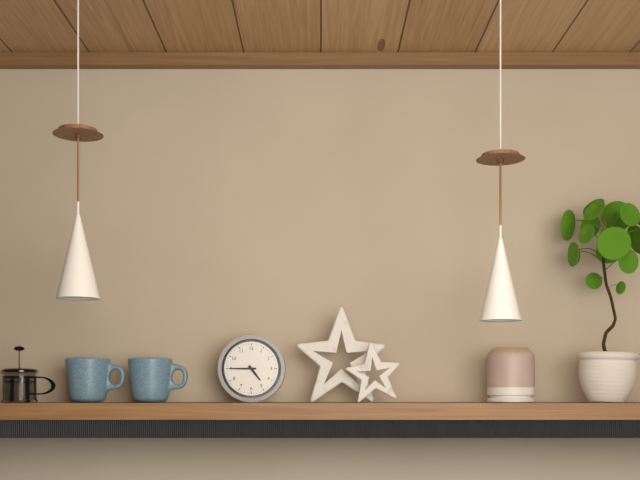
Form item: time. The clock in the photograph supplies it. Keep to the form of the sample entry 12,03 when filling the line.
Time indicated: 4,45
